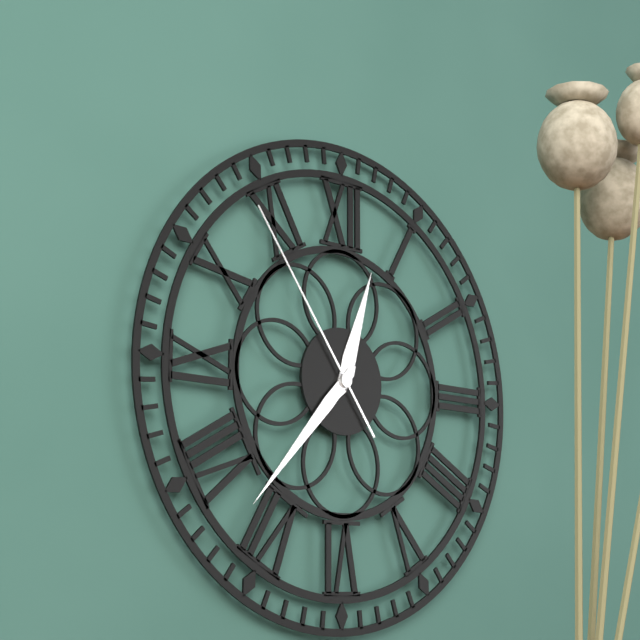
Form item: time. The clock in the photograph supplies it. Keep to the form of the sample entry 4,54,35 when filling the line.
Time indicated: 12,37,54
